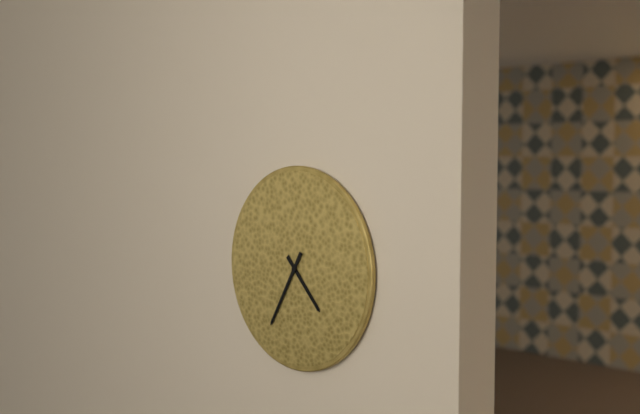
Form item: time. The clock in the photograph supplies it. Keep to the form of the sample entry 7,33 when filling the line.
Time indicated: 4,35
